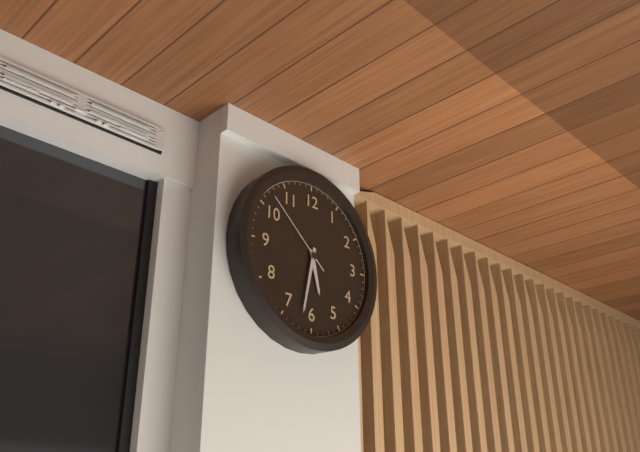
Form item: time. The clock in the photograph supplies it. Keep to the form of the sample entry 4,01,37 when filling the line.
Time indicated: 5,32,52
